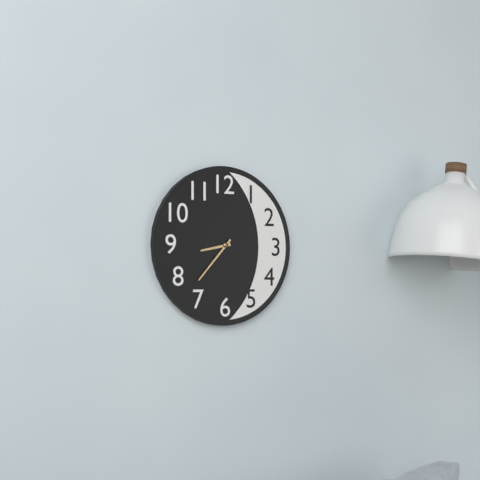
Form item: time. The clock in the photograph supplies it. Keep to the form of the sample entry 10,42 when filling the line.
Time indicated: 8,37
